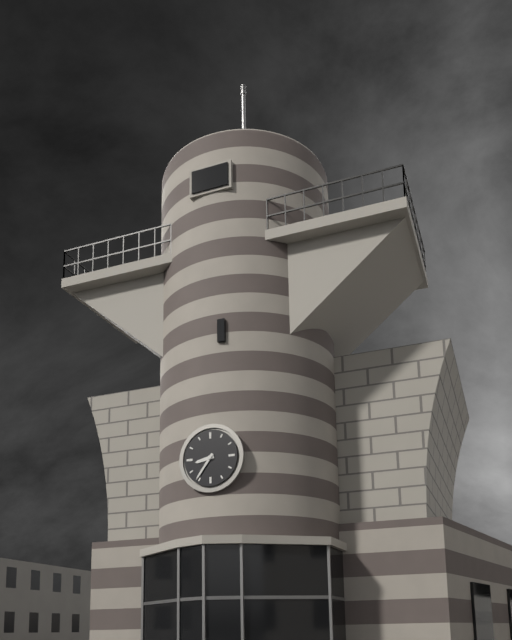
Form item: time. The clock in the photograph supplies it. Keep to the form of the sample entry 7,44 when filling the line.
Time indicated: 8,36
